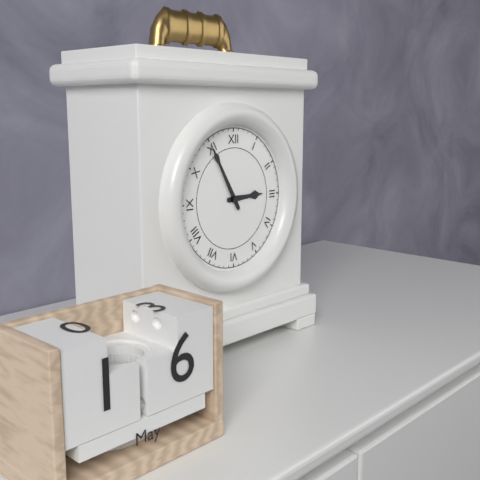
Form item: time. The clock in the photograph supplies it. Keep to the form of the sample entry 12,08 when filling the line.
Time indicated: 2,55
